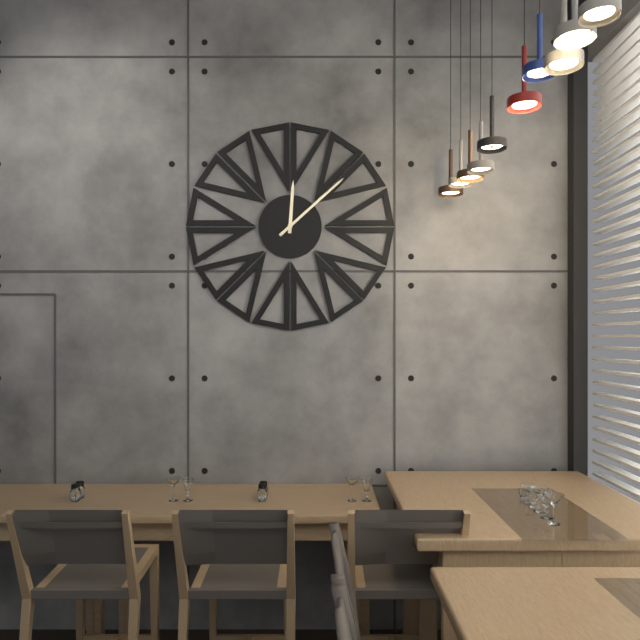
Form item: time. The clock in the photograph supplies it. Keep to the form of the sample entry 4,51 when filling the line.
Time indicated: 12,08
